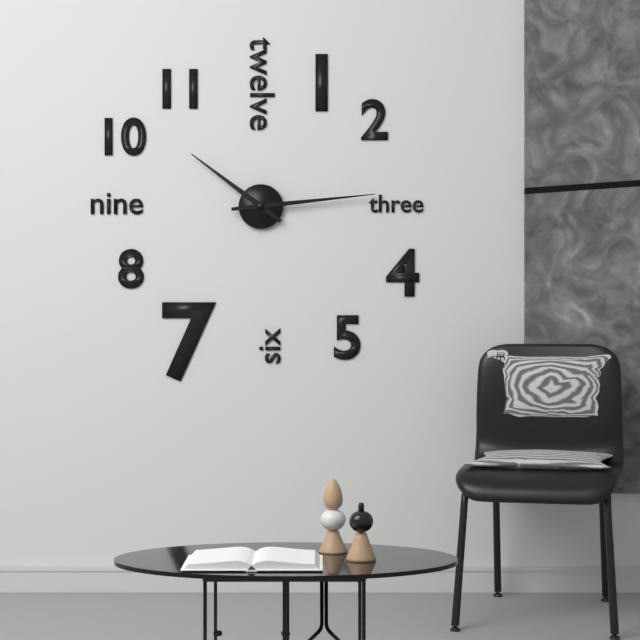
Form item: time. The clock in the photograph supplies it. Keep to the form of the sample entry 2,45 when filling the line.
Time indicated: 10,14
